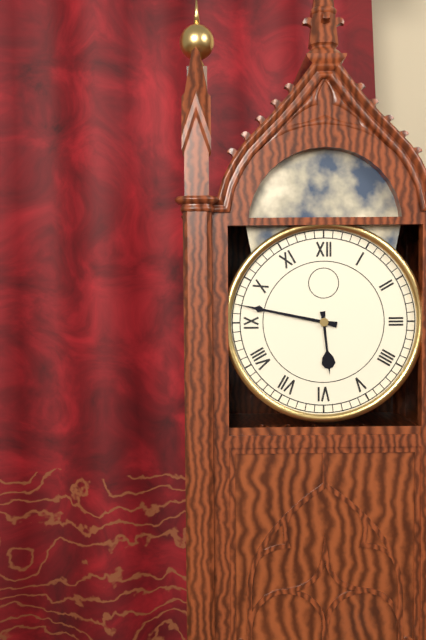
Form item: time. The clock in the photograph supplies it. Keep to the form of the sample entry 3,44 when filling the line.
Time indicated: 5,47
